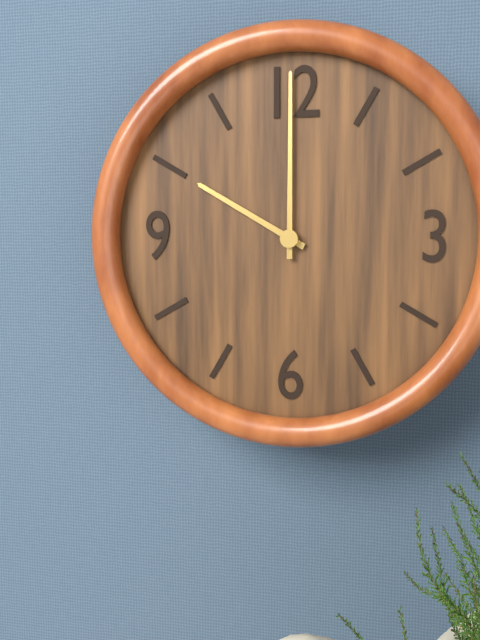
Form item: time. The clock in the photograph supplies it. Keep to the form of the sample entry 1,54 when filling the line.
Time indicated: 10,00
